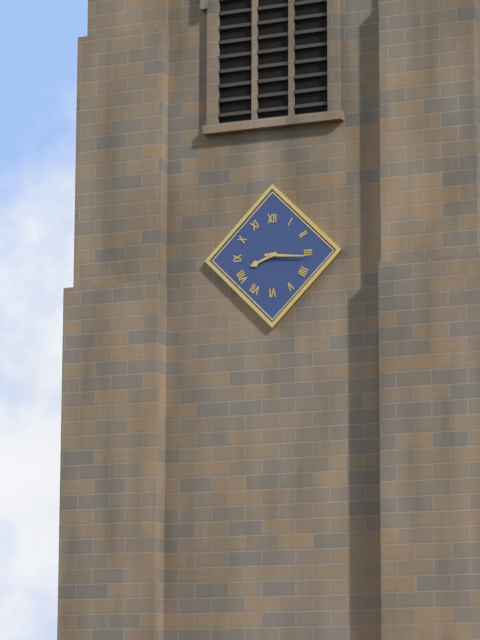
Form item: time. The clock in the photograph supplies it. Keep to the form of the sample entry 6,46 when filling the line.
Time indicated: 8,16
